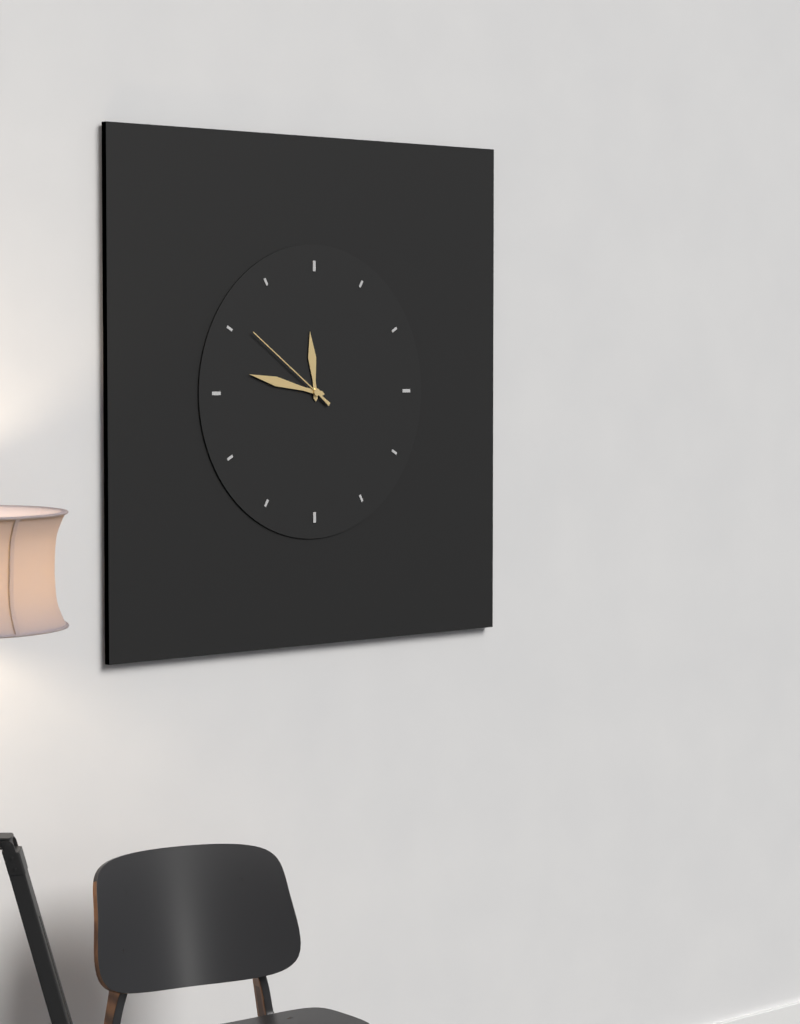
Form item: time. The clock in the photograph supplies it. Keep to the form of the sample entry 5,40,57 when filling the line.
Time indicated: 11,47,51
